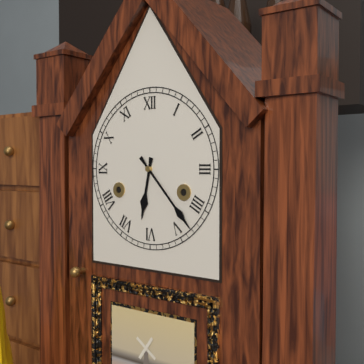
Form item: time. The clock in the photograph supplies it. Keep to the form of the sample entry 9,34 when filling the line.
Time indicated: 6,23
